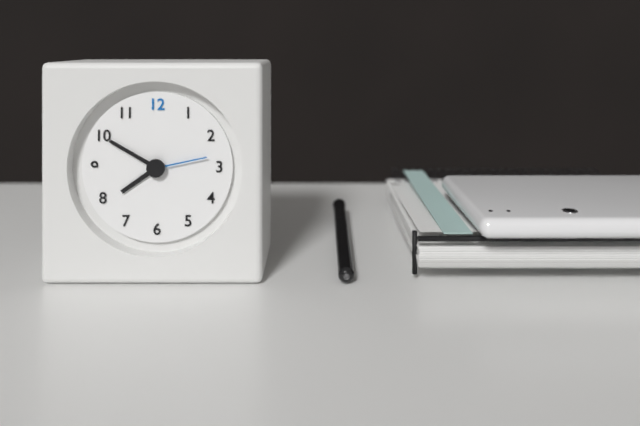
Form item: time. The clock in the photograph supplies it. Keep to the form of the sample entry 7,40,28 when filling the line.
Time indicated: 7,50,13
